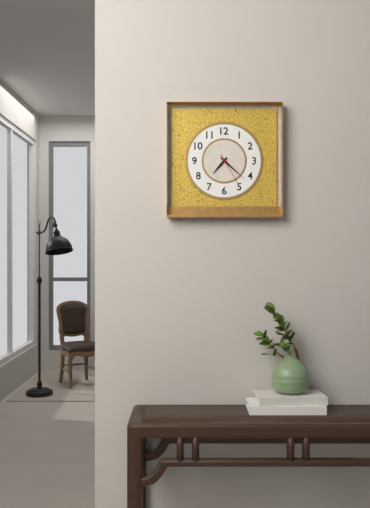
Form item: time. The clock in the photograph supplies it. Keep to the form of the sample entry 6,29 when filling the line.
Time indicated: 7,22
